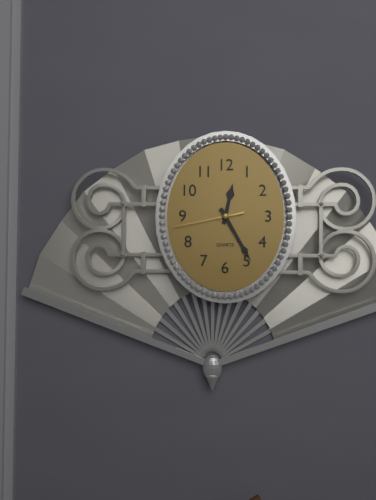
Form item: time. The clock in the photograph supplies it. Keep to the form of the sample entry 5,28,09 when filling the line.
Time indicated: 12,25,43
